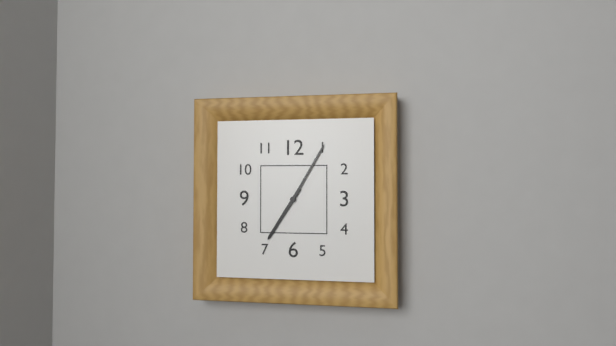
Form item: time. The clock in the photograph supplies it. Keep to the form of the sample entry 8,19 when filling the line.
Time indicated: 7,05
